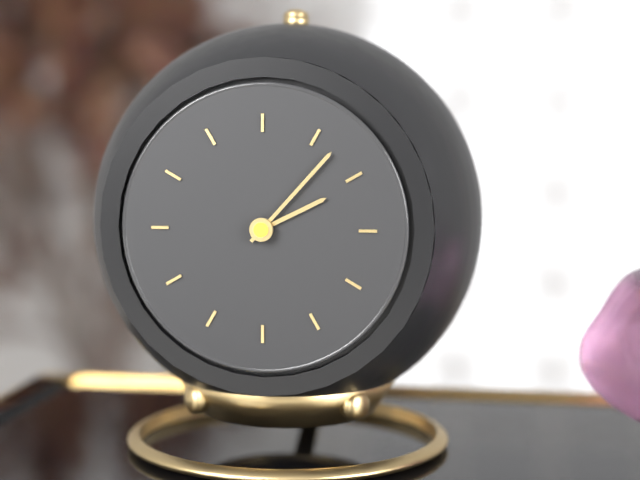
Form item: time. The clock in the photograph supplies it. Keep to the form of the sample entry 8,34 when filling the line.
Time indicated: 2,07
